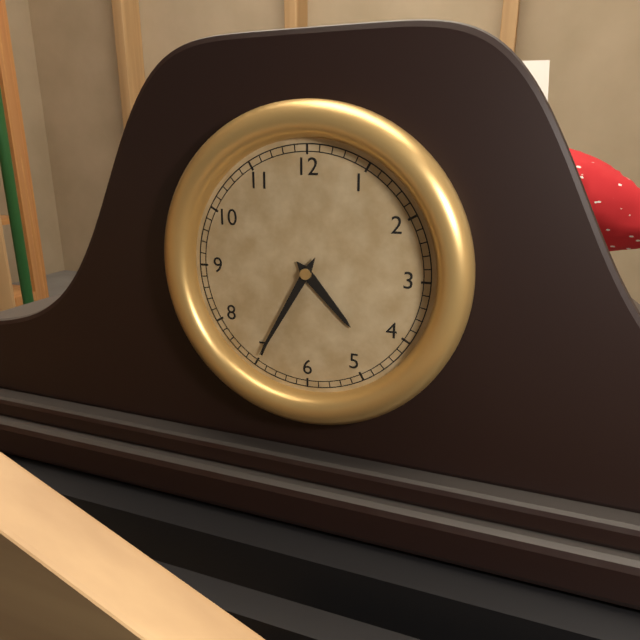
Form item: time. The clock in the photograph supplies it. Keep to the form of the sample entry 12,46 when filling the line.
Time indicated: 4,35
